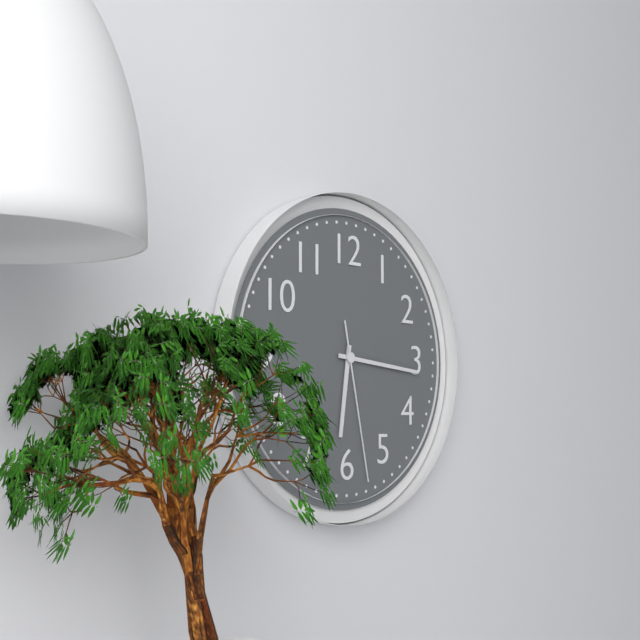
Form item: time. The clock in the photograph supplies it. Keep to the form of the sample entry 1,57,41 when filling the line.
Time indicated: 6,16,28
